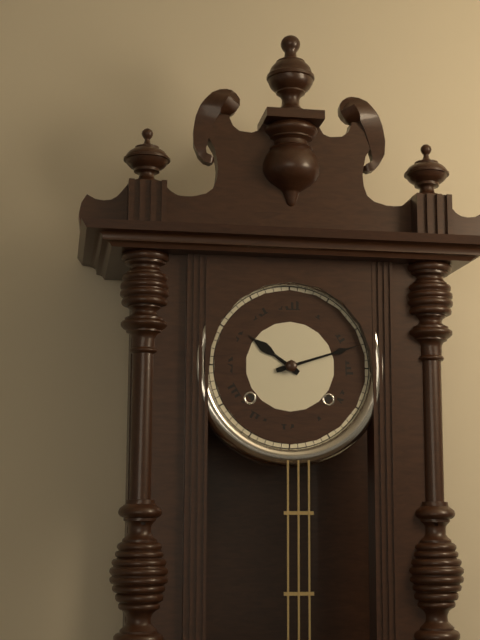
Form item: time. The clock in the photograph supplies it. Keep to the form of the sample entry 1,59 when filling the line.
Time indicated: 10,12
